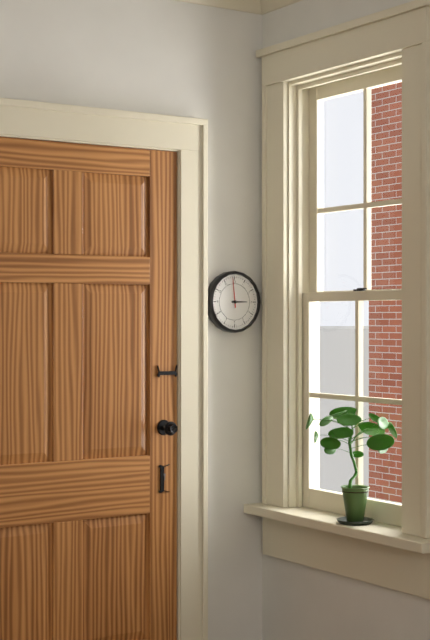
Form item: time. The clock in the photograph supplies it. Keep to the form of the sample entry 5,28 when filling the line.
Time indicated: 2,59
